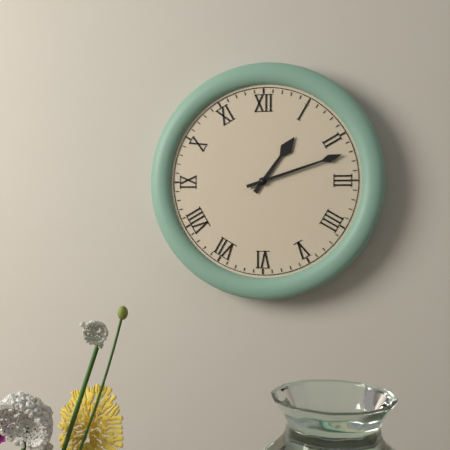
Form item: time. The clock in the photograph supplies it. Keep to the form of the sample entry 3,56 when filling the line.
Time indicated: 1,12
